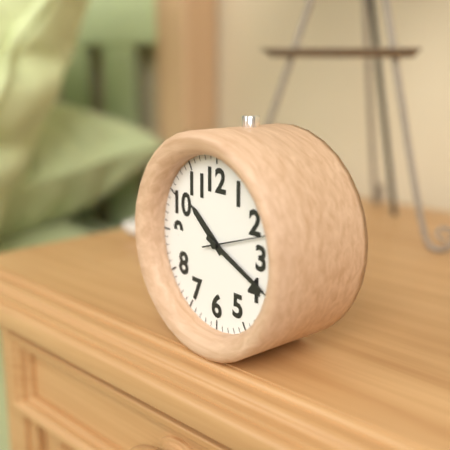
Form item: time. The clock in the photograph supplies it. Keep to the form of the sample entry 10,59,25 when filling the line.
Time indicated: 10,19,12
